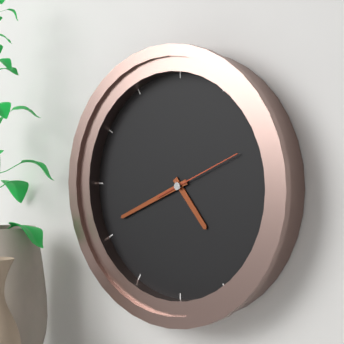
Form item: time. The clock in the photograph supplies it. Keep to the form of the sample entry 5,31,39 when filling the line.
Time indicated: 4,41,11
